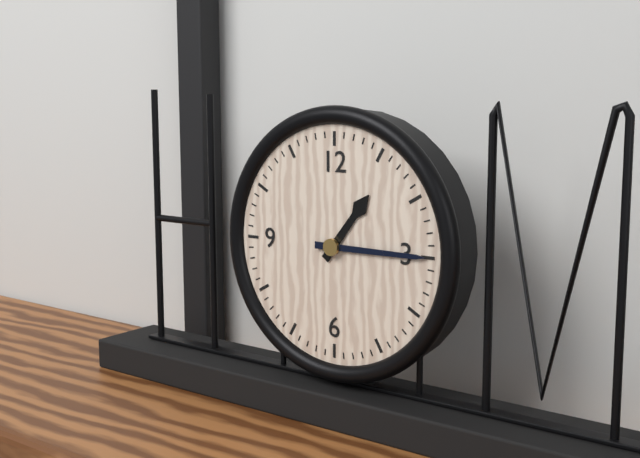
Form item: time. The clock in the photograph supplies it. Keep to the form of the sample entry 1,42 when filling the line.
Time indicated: 1,15
